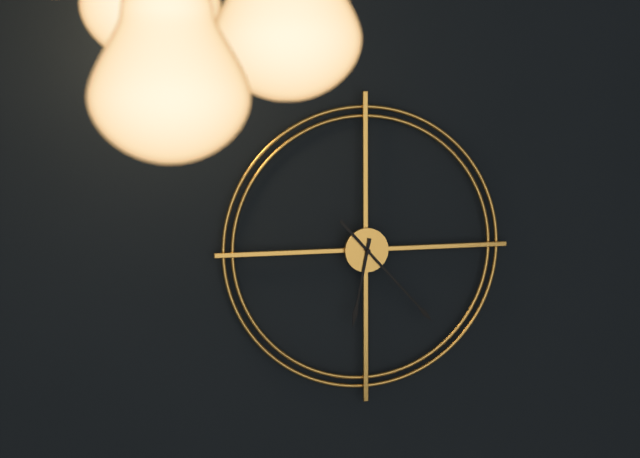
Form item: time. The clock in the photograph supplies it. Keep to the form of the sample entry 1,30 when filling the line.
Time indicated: 6,23
